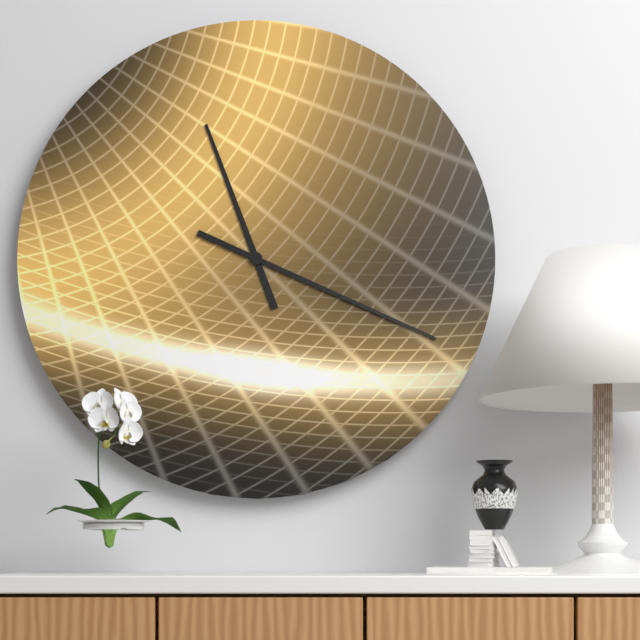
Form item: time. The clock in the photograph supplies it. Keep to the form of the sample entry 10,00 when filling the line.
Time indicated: 11,19
